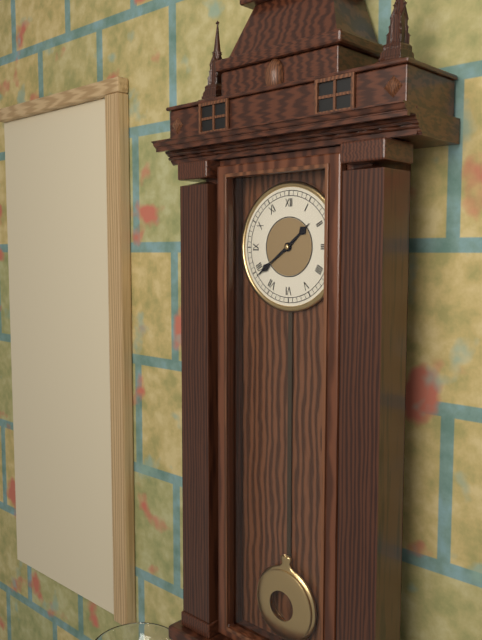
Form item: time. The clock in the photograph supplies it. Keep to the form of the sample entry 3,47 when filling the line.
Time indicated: 1,39
